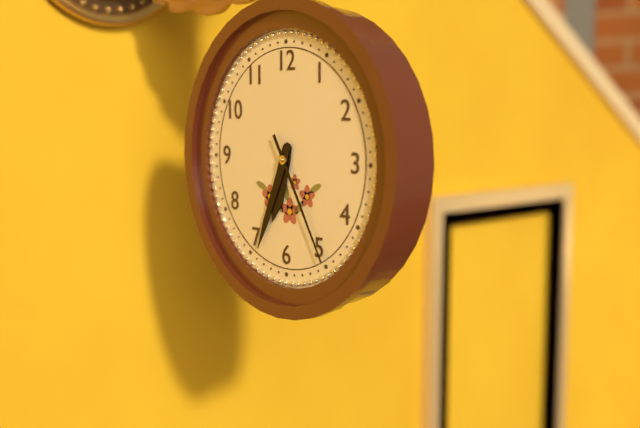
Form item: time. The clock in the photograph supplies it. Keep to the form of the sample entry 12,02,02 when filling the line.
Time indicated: 6,34,25
